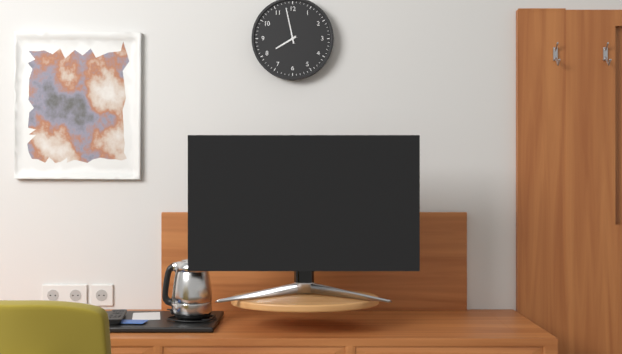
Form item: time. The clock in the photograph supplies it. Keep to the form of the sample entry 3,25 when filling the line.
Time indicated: 7,58
